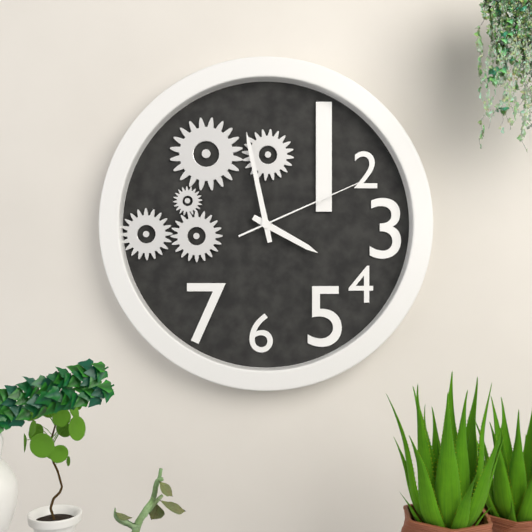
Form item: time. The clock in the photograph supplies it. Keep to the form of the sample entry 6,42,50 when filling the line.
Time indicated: 3,58,11
